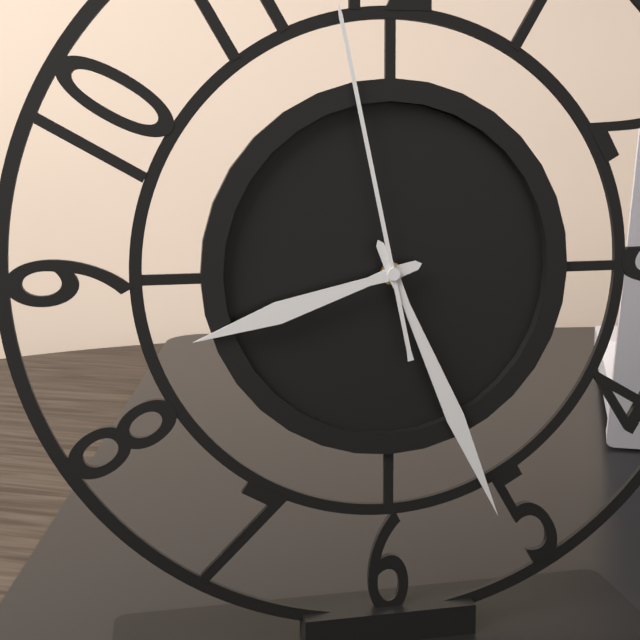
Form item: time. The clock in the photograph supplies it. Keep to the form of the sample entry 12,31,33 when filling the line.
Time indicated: 8,26,58
